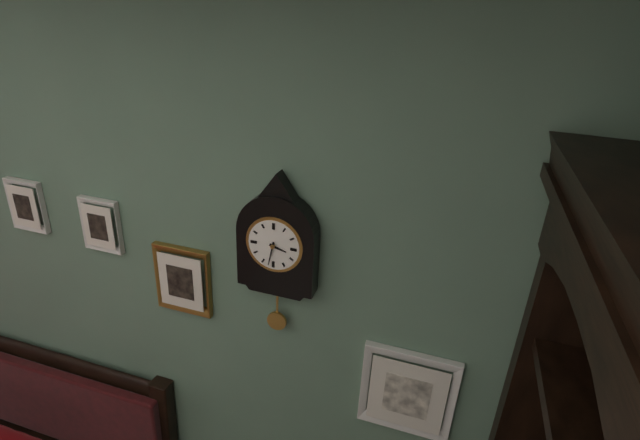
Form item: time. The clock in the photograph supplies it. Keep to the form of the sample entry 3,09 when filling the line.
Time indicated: 3,32
